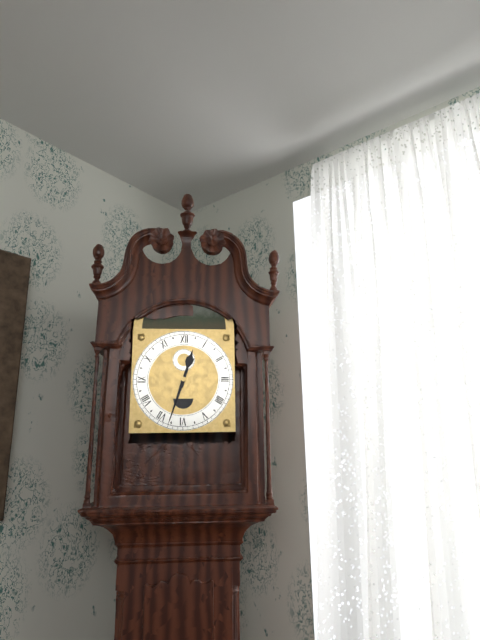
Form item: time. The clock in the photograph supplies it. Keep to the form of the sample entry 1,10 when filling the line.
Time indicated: 12,33
